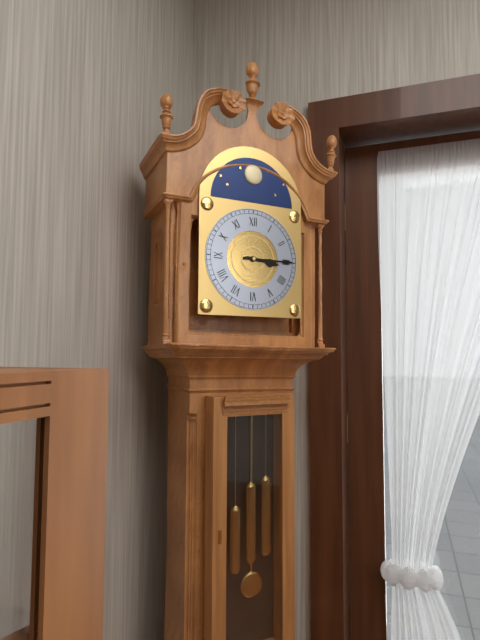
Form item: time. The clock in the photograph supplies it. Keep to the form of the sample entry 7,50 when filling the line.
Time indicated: 3,15
